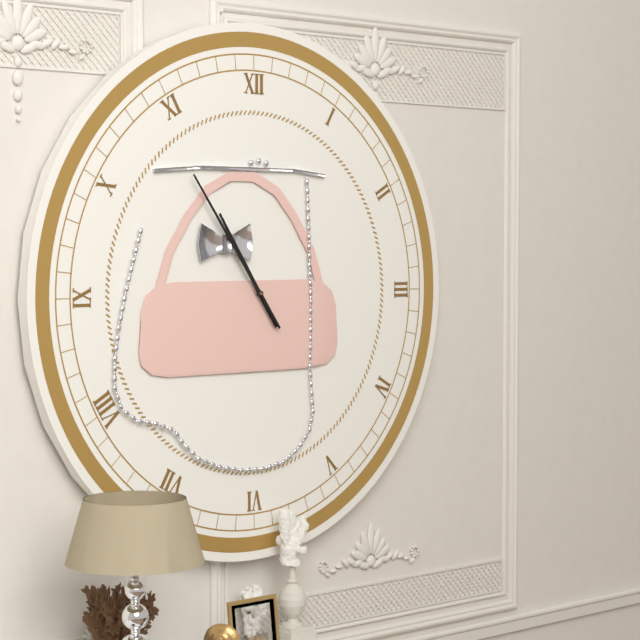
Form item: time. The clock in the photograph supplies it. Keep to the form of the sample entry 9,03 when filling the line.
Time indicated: 10,54
